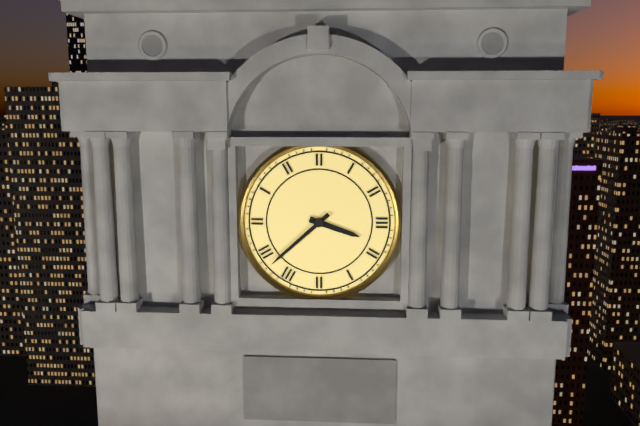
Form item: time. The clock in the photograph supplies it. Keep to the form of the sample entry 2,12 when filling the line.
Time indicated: 3,38
